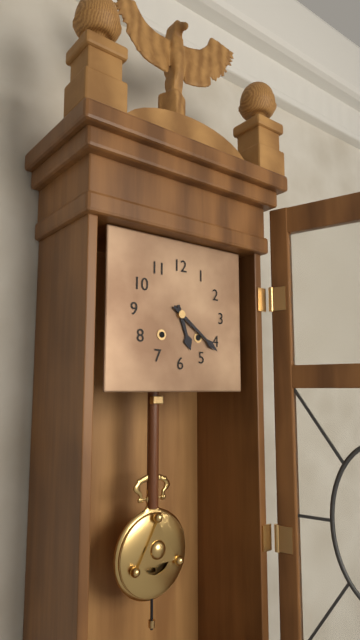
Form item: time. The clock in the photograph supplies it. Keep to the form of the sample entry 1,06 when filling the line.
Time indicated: 5,21
